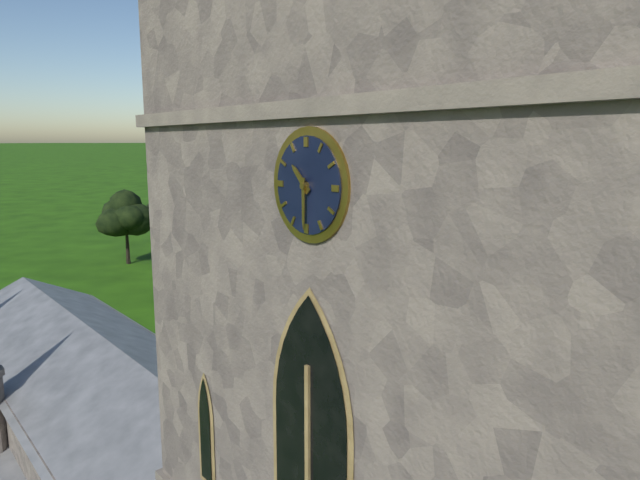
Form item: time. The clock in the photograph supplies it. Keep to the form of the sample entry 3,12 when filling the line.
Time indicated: 10,30
